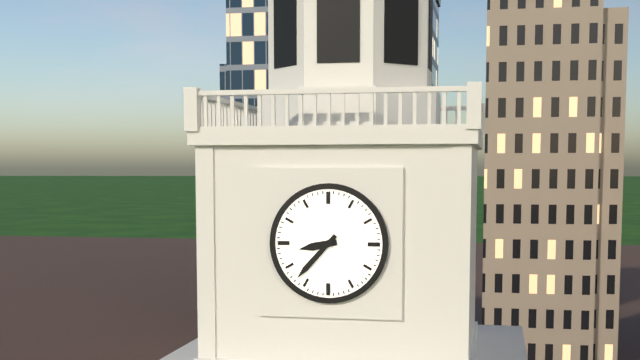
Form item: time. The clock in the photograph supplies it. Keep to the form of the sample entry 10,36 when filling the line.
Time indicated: 8,37
